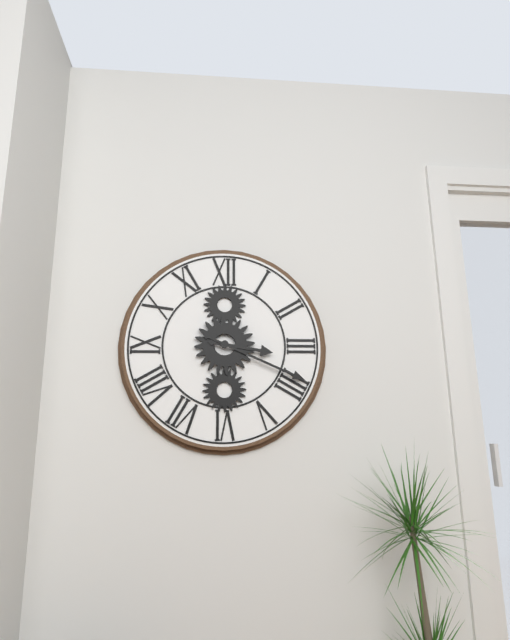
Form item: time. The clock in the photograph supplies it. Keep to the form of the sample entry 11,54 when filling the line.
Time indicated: 3,19
